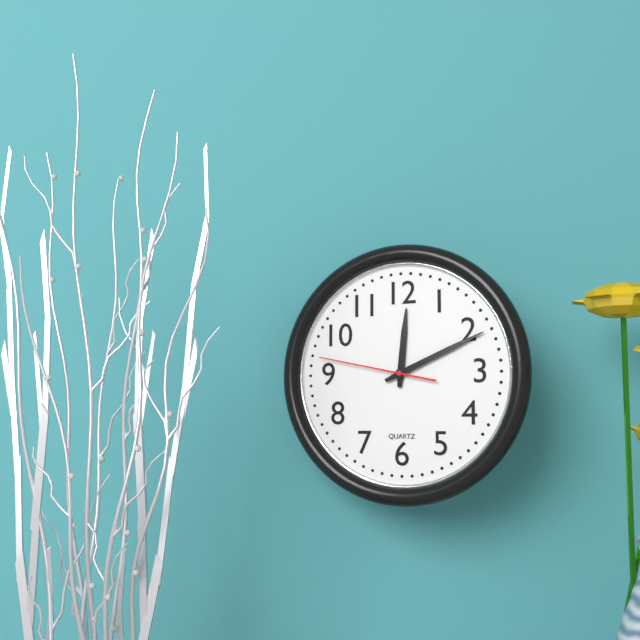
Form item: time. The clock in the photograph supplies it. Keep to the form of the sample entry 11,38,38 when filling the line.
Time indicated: 12,11,47
